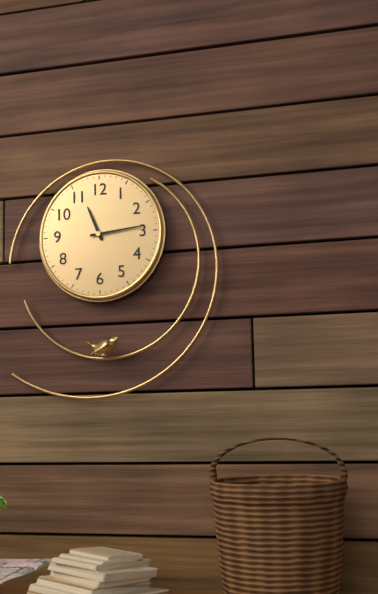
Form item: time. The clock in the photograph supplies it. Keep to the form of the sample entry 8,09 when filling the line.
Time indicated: 11,14
